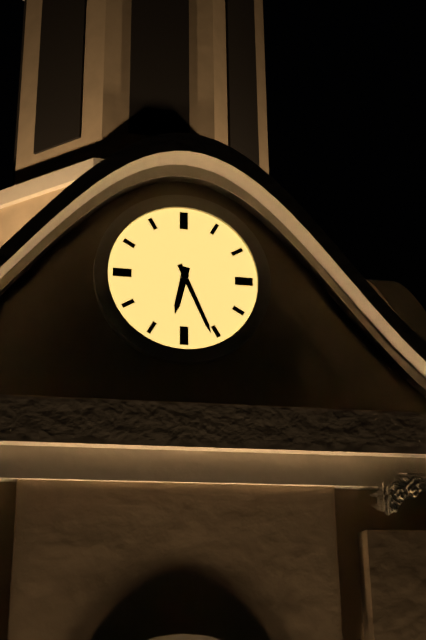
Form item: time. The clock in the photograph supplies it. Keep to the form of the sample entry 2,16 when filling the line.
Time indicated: 6,26
